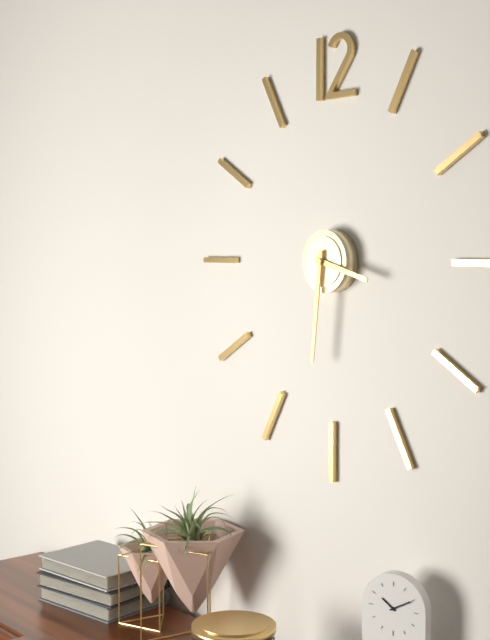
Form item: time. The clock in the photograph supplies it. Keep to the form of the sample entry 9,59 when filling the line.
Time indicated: 3,31
